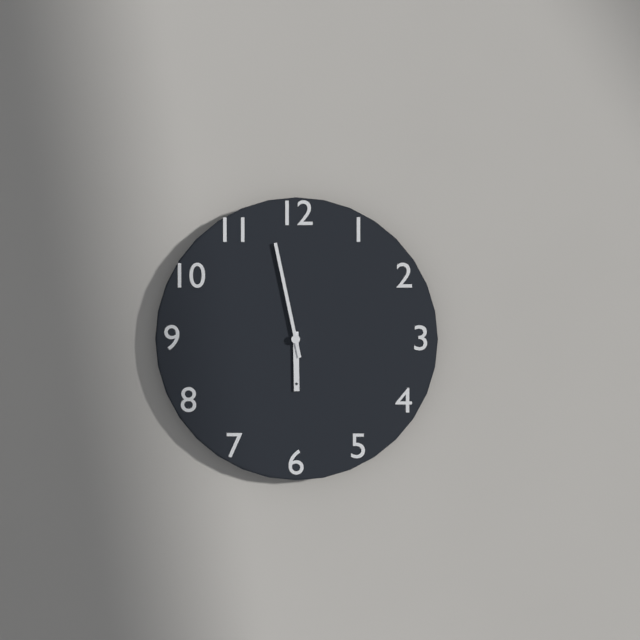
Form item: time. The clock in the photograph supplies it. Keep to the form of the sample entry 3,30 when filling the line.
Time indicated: 5,58
